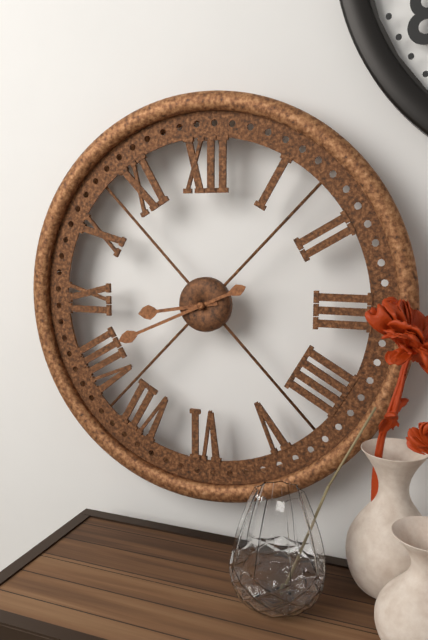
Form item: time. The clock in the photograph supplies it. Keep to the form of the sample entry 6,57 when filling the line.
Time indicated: 8,41
